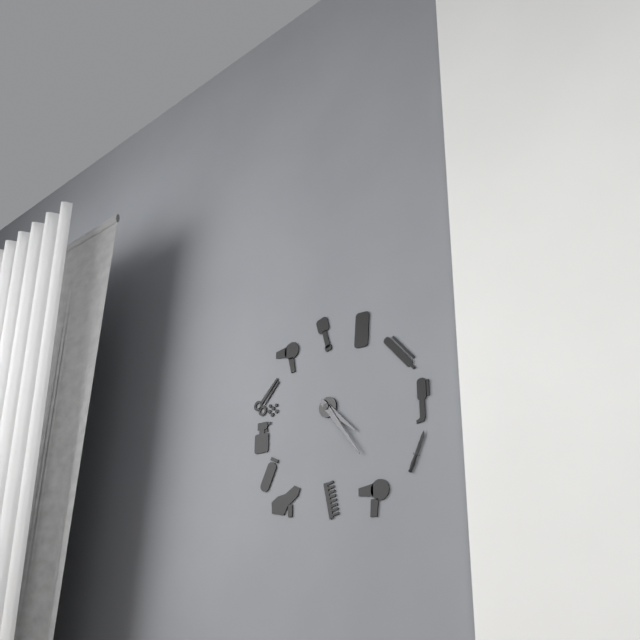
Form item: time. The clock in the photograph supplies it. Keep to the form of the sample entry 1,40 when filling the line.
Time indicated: 4,24
